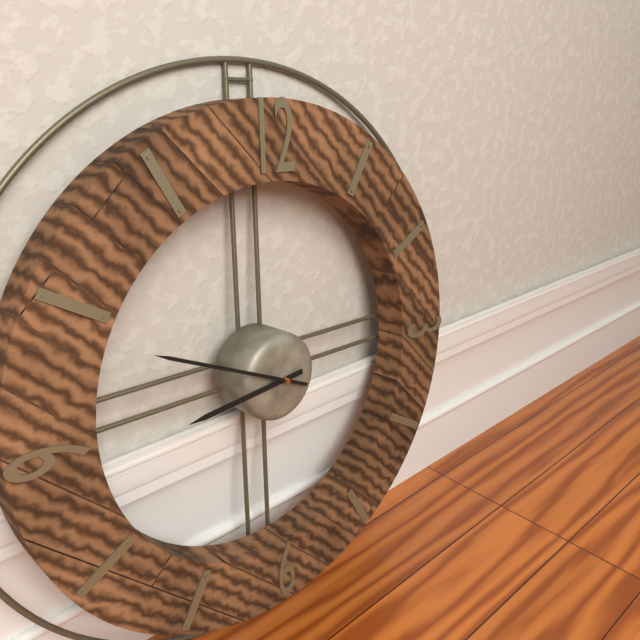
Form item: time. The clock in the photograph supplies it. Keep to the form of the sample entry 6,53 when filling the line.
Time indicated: 8,49
